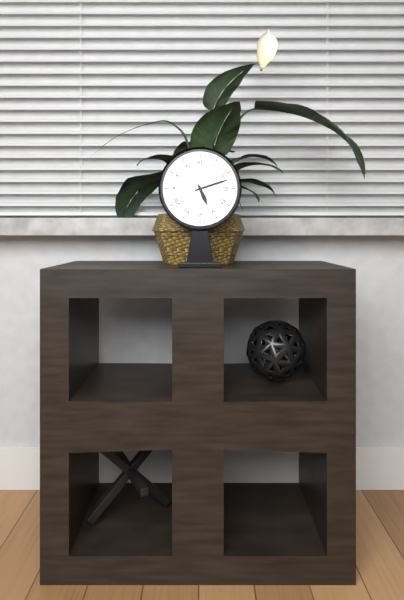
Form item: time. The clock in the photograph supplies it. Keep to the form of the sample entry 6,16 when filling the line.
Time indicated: 5,12
